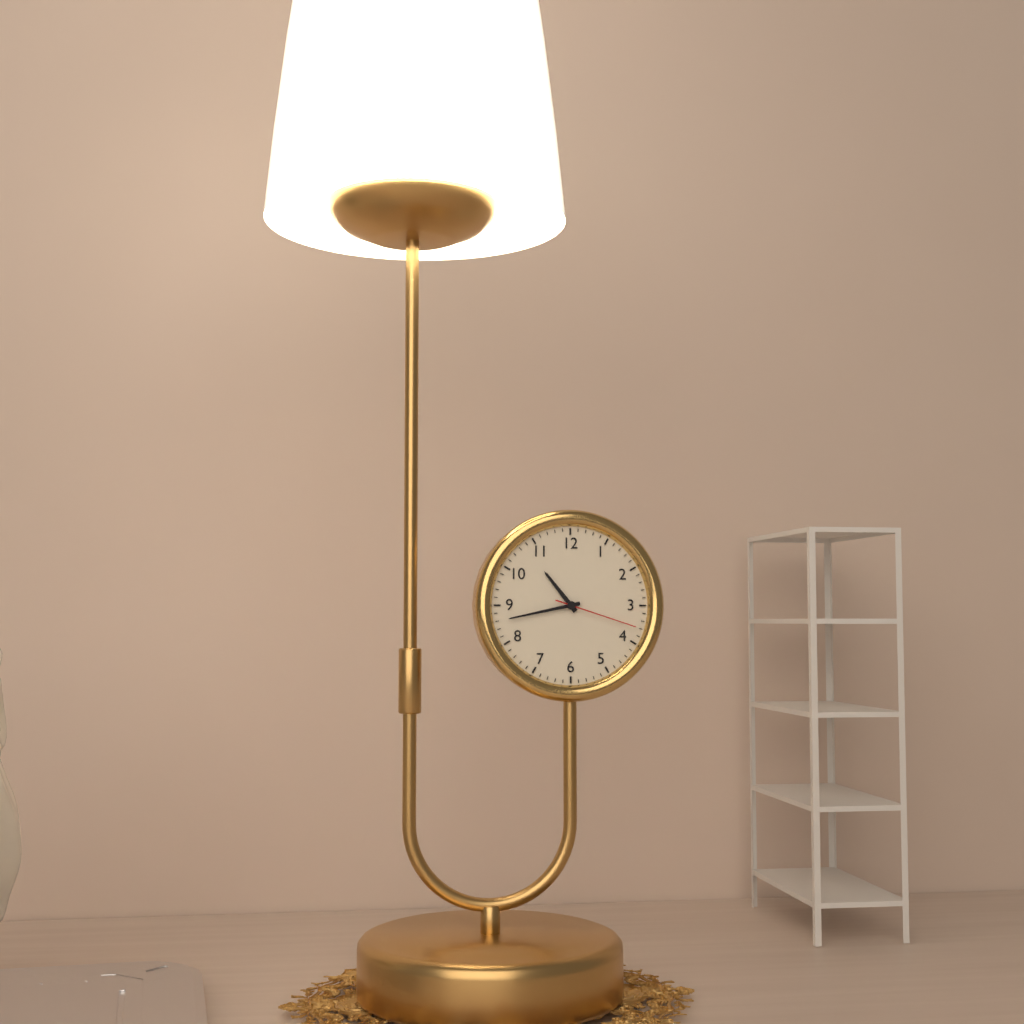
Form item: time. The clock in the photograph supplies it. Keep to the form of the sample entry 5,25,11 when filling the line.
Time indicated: 10,43,18
